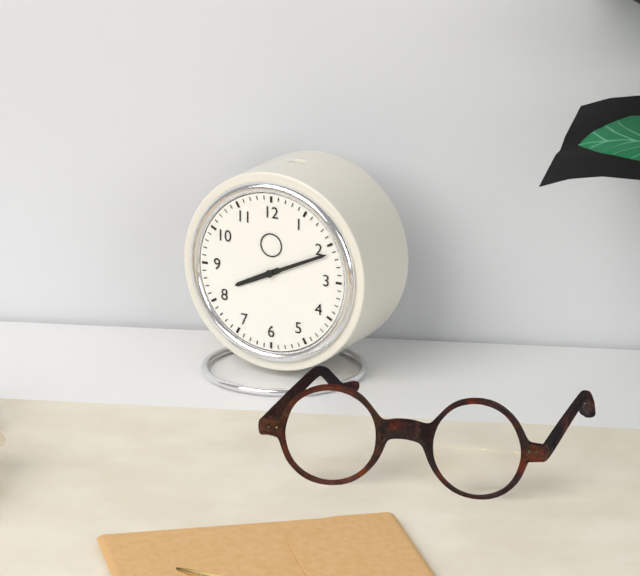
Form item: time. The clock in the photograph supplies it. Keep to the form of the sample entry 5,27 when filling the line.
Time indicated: 8,11
